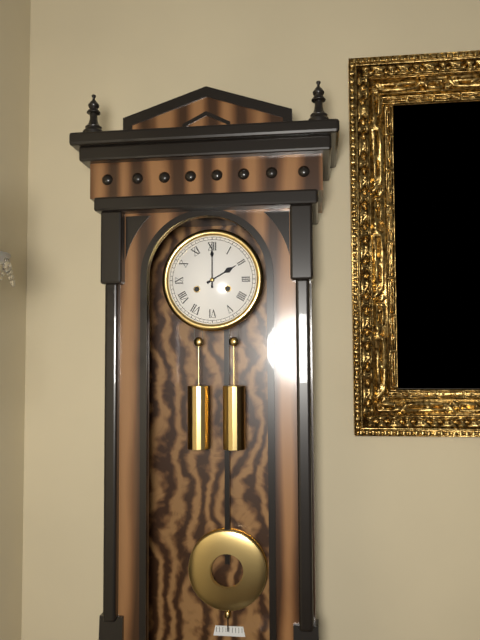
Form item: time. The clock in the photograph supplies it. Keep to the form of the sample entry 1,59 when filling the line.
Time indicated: 2,00
